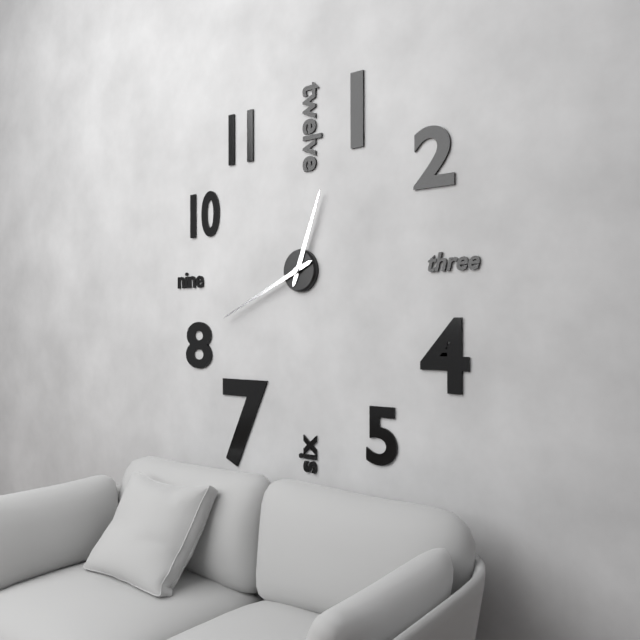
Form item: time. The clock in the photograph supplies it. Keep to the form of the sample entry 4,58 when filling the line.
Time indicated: 12,41
